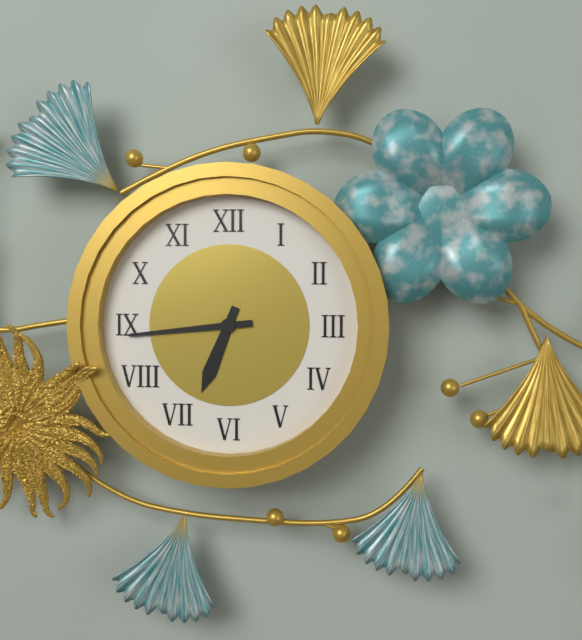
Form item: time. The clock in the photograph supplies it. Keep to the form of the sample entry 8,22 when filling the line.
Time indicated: 6,44
